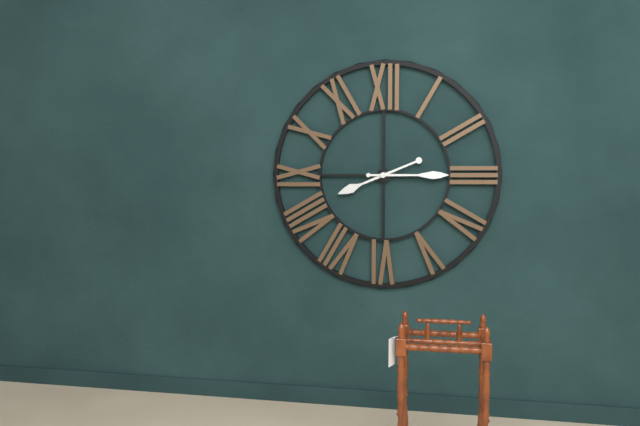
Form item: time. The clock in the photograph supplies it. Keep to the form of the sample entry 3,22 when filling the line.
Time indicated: 8,15
